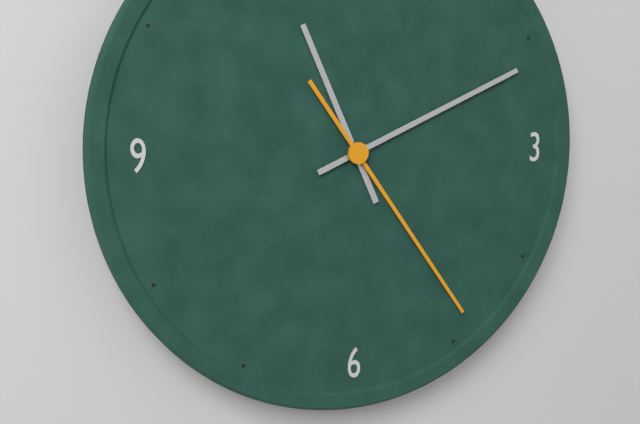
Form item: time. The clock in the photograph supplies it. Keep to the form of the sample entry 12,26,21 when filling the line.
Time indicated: 11,11,24
